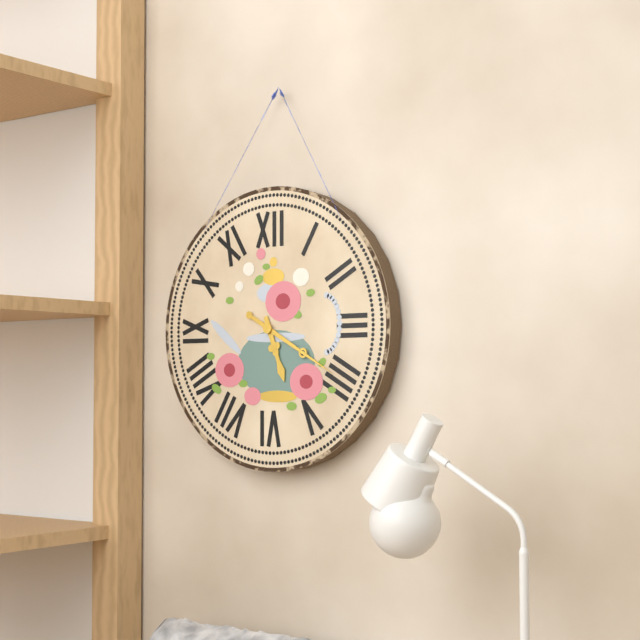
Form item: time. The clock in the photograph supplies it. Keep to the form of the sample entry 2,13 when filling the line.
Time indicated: 5,20
